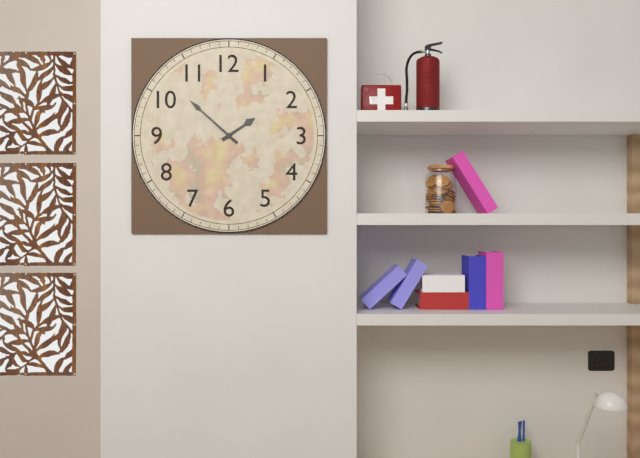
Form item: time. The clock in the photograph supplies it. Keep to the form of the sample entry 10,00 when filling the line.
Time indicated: 1,52
